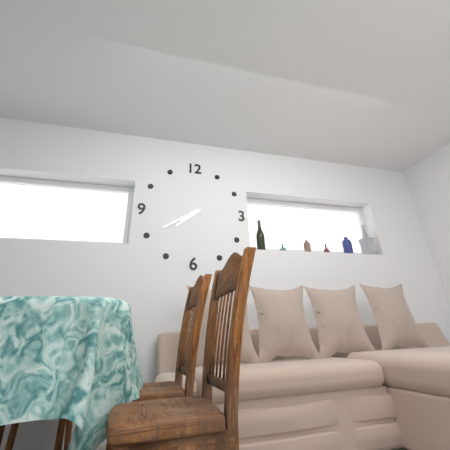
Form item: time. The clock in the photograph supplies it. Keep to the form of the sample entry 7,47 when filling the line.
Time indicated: 7,40
